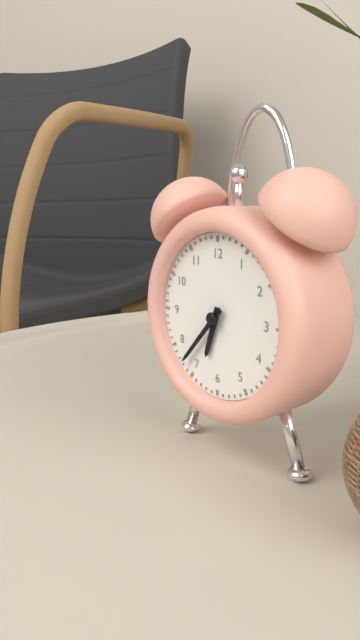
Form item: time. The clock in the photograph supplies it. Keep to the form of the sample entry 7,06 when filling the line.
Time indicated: 6,37
